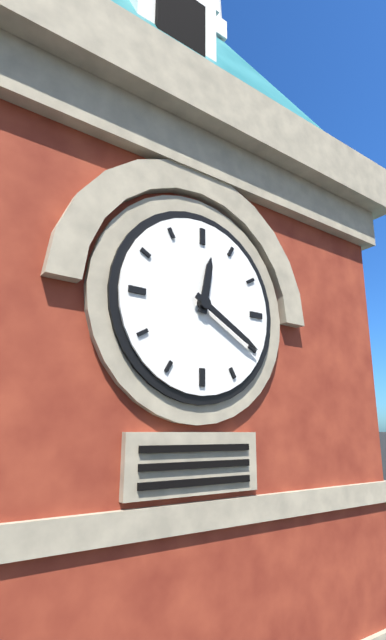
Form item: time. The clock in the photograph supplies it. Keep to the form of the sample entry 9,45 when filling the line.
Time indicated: 12,20
